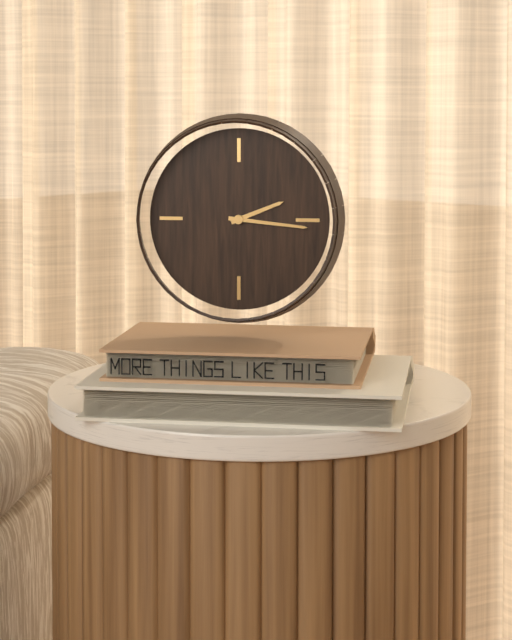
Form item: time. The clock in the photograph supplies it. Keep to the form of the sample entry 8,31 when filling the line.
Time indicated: 2,16
